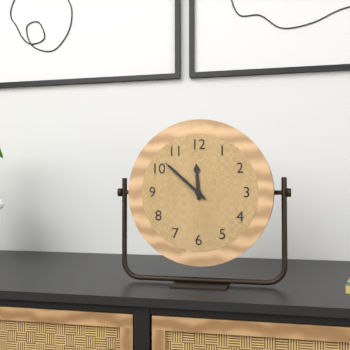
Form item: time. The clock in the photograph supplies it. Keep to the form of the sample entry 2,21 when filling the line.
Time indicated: 11,52
